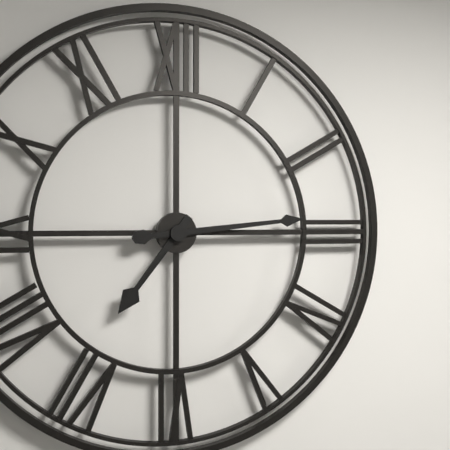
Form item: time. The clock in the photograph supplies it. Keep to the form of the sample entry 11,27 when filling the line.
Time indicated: 7,14
